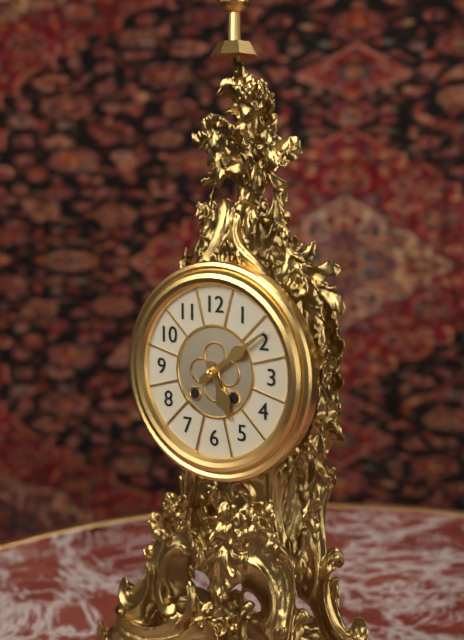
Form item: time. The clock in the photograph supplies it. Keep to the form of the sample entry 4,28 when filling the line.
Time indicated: 5,09
